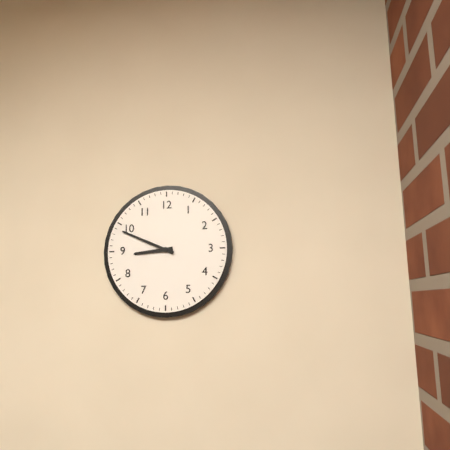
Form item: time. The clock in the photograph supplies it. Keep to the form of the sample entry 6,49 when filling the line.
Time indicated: 8,49
